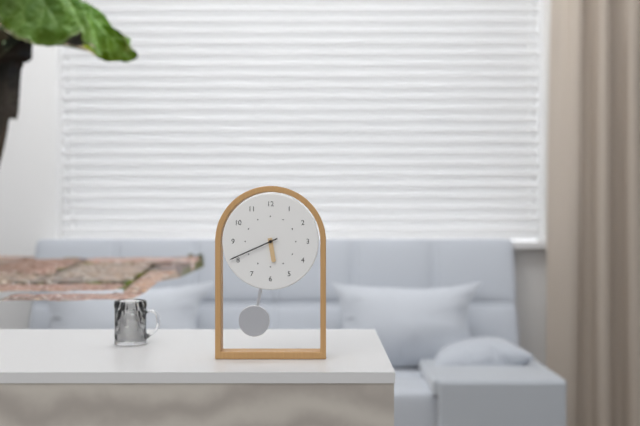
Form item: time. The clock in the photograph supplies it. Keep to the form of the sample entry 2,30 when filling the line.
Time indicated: 5,41
